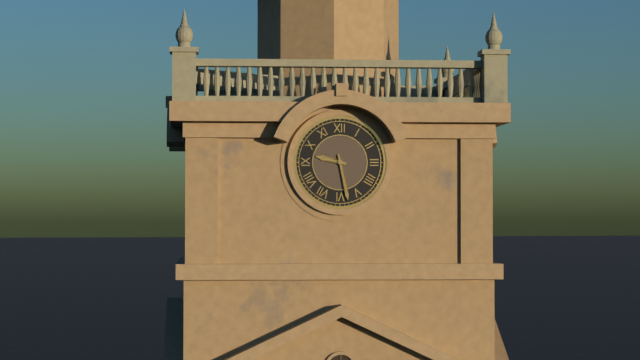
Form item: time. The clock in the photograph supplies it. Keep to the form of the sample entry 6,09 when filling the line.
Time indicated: 9,28
